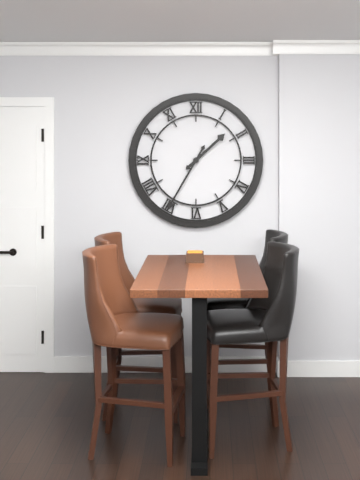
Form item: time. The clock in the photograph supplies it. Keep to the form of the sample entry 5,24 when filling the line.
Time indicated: 1,35
